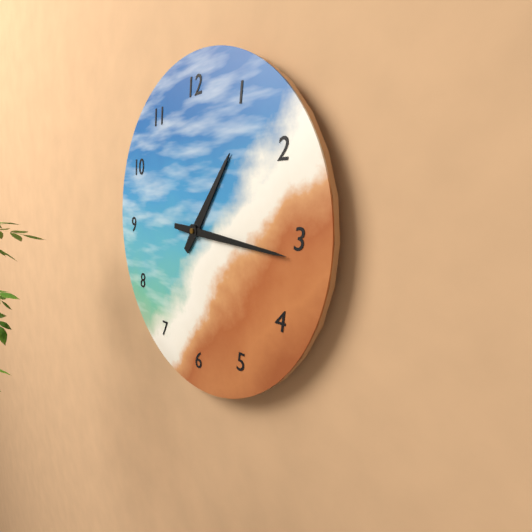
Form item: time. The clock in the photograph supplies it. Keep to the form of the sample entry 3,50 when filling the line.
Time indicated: 1,16
